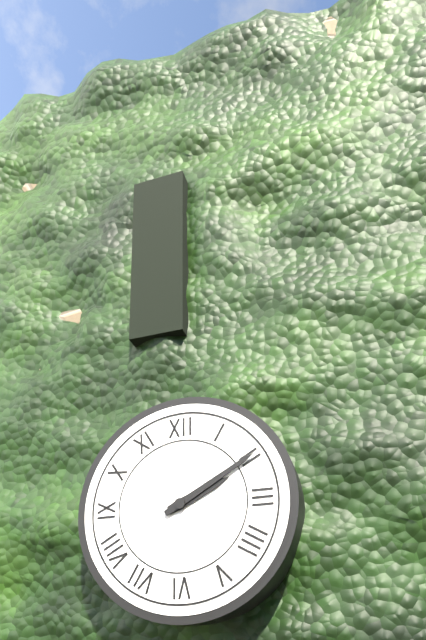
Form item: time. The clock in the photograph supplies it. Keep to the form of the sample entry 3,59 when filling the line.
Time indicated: 2,10
